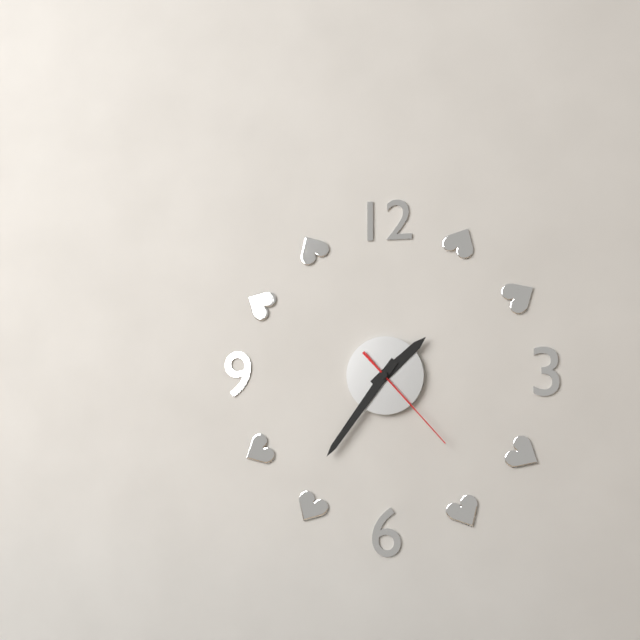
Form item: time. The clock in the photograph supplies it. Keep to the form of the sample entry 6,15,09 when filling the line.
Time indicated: 1,36,23
